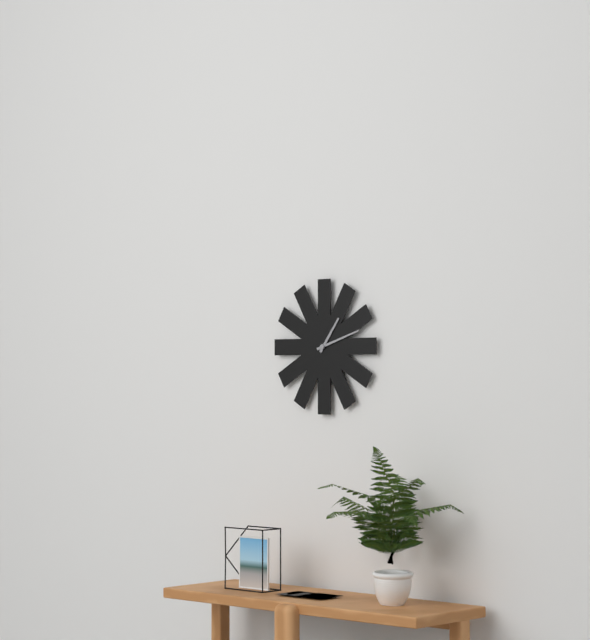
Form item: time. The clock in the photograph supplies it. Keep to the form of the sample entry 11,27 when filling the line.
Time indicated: 1,12
